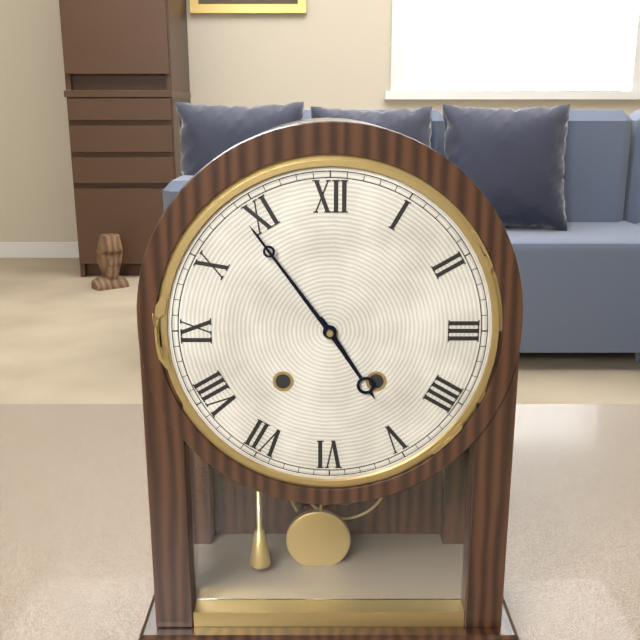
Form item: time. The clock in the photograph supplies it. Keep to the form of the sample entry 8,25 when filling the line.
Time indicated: 4,54
